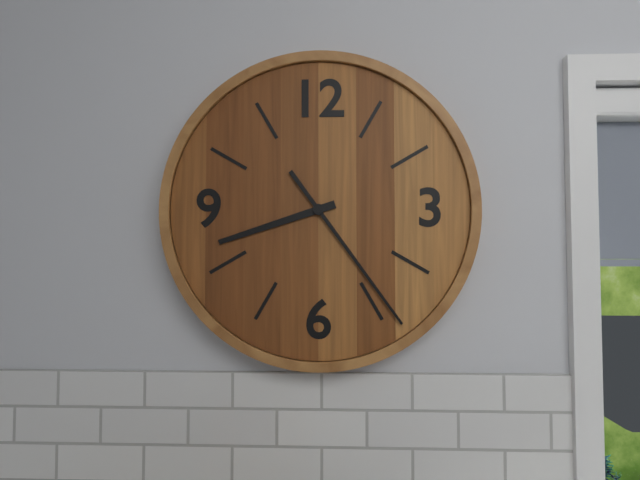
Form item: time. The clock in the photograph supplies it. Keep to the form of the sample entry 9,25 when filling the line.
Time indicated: 8,24
